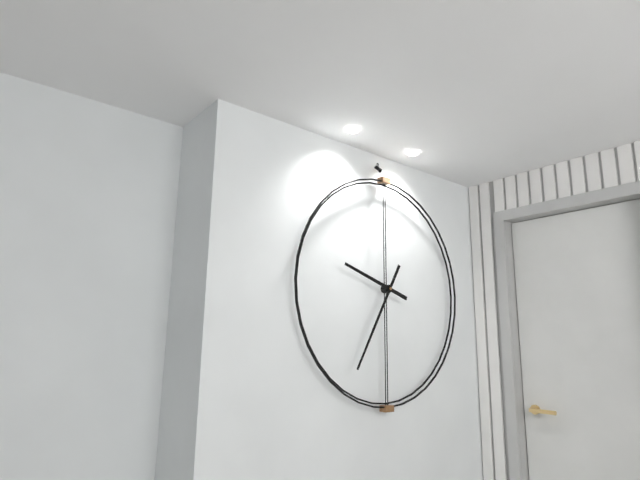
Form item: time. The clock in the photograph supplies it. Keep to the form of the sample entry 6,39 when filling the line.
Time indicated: 9,35
